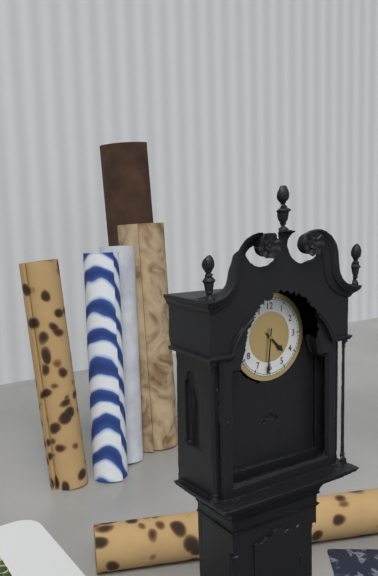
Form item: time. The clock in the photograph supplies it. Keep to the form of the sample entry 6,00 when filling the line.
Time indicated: 4,31
